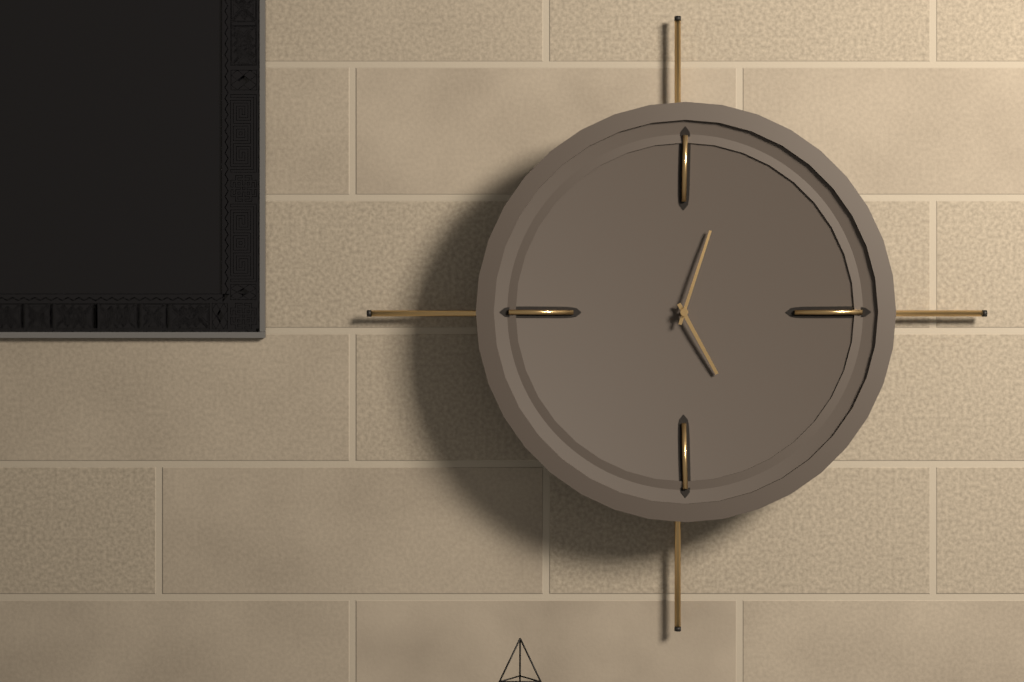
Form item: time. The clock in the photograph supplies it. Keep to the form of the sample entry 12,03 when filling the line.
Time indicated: 5,03
